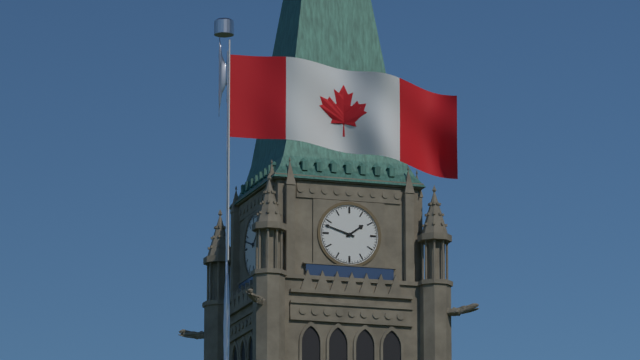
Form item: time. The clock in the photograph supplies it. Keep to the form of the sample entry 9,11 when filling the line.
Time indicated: 1,48
